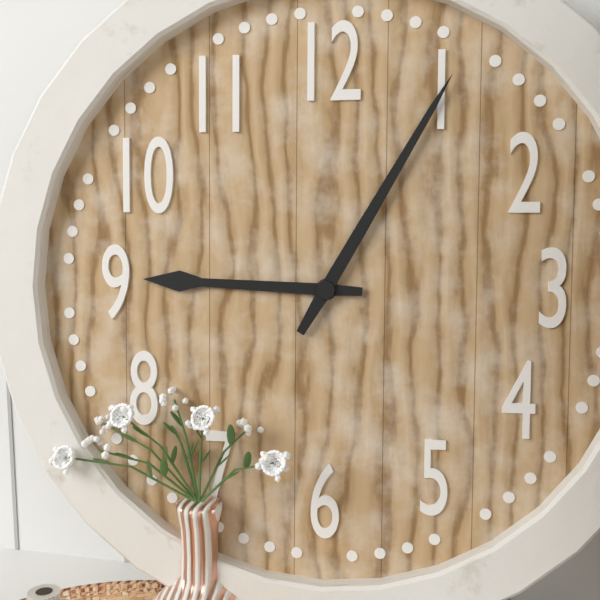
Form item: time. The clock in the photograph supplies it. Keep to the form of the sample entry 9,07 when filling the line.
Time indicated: 9,05
